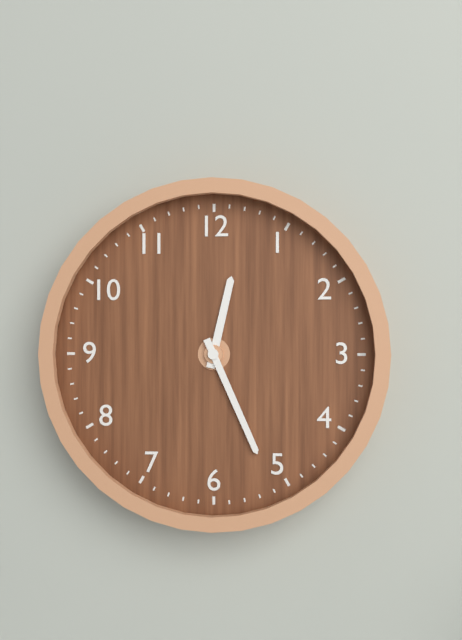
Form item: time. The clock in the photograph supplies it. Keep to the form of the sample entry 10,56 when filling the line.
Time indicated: 12,26
